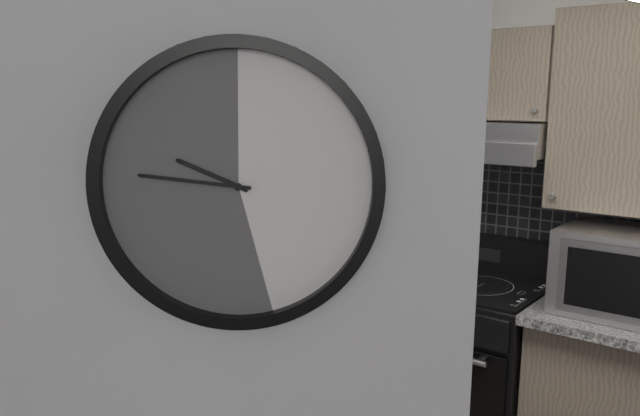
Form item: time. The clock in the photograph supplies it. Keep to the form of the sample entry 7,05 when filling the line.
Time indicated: 9,46
